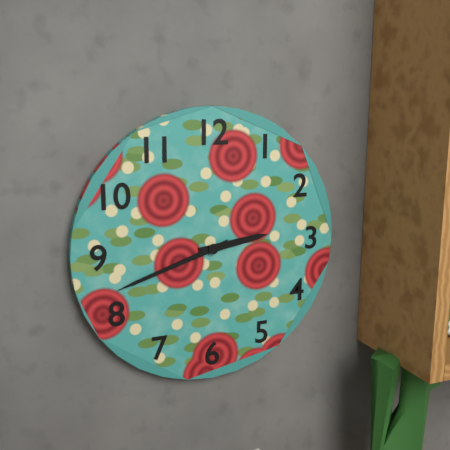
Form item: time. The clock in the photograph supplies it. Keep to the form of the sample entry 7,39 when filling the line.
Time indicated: 2,42
